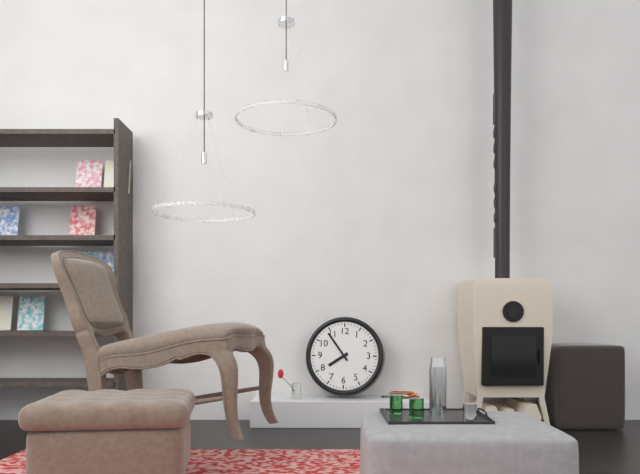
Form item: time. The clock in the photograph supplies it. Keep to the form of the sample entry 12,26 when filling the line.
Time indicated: 7,54
